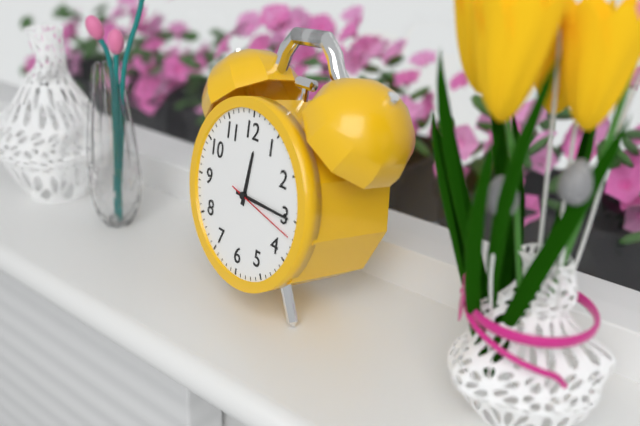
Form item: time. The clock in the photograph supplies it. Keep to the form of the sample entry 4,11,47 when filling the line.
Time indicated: 12,15,17
